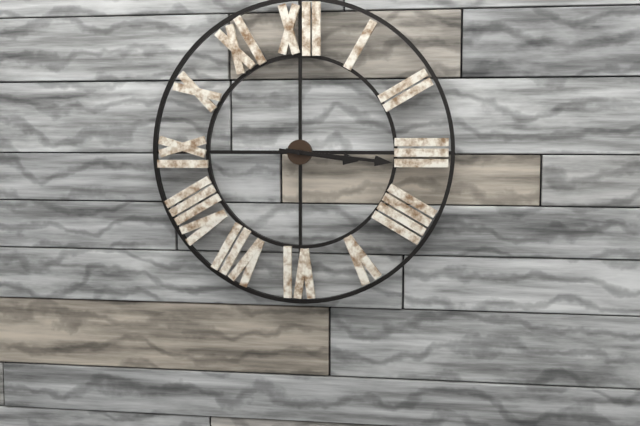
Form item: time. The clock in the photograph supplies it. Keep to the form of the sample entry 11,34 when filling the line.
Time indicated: 3,16
